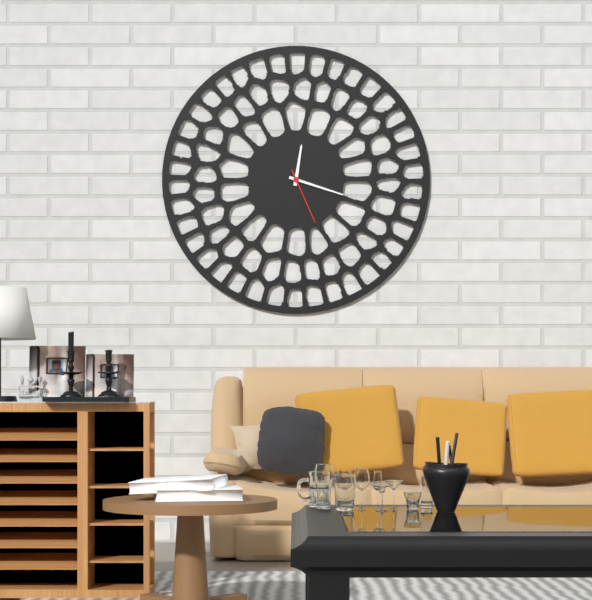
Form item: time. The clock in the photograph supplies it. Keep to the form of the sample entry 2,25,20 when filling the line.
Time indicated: 12,18,26
